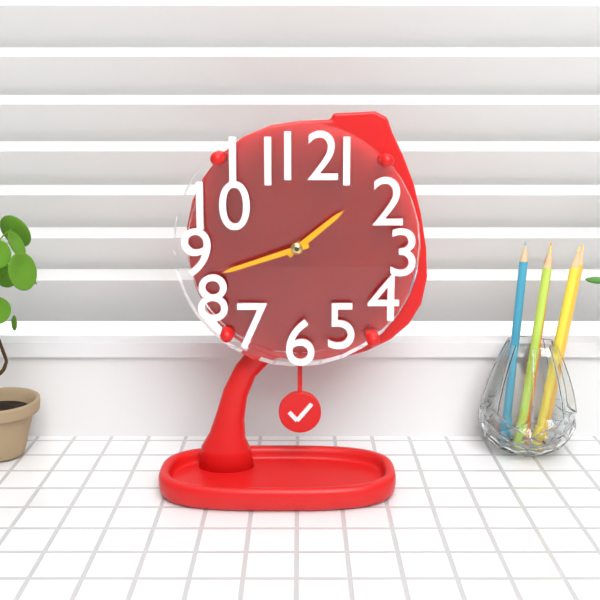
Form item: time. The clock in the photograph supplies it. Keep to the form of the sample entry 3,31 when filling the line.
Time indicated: 1,42
